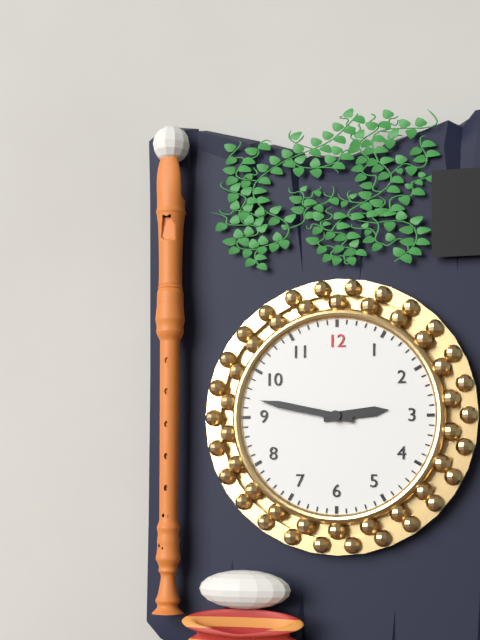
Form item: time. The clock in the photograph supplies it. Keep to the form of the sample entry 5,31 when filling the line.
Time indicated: 2,47
